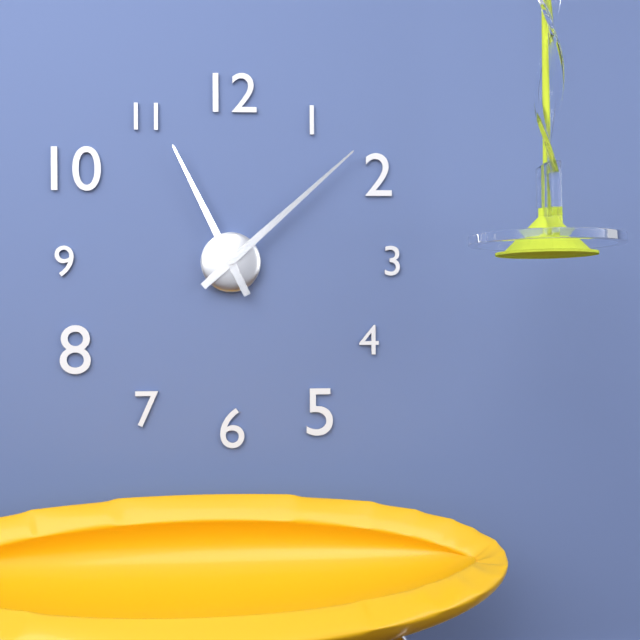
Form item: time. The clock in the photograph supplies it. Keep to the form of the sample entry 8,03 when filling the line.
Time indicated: 11,08
